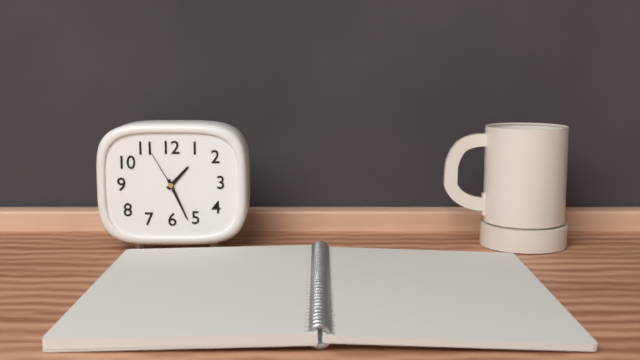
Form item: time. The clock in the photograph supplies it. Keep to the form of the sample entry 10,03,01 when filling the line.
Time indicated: 1,26,55
